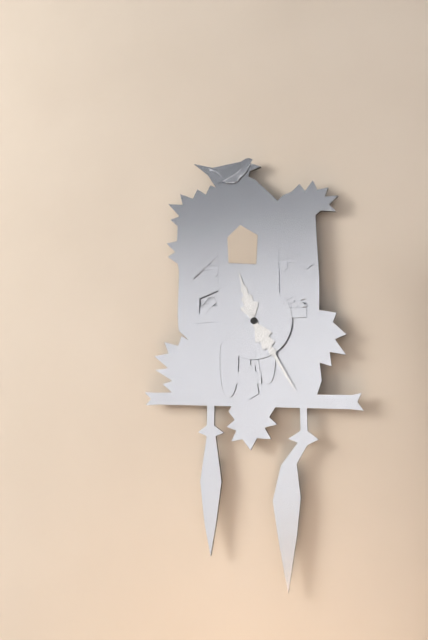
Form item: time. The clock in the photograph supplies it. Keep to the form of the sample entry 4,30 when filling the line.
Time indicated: 11,25
